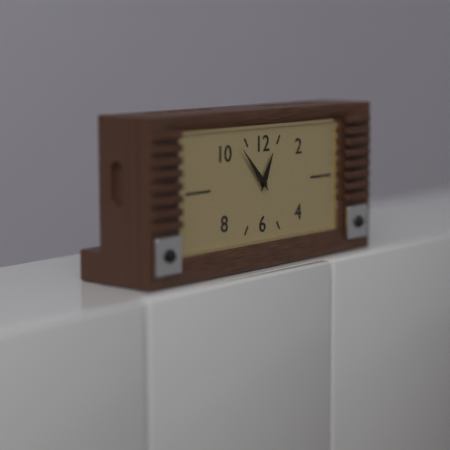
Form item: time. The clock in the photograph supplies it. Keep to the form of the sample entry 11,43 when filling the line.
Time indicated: 12,53
